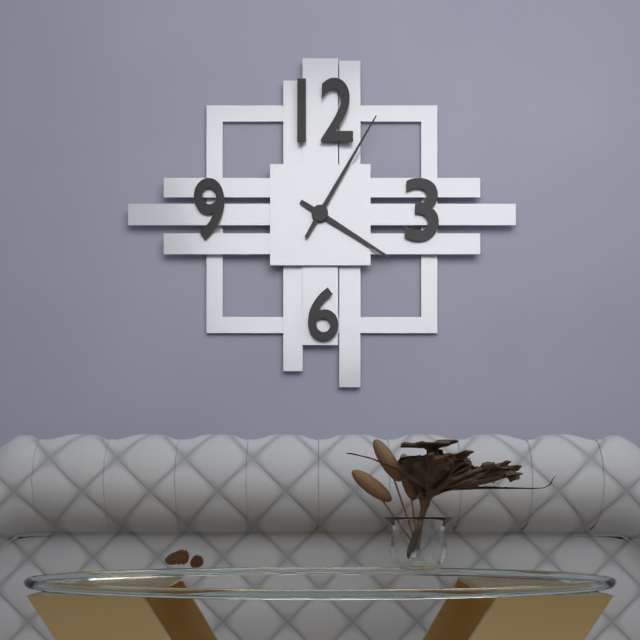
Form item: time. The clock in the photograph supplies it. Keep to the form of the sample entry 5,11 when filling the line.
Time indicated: 4,05
